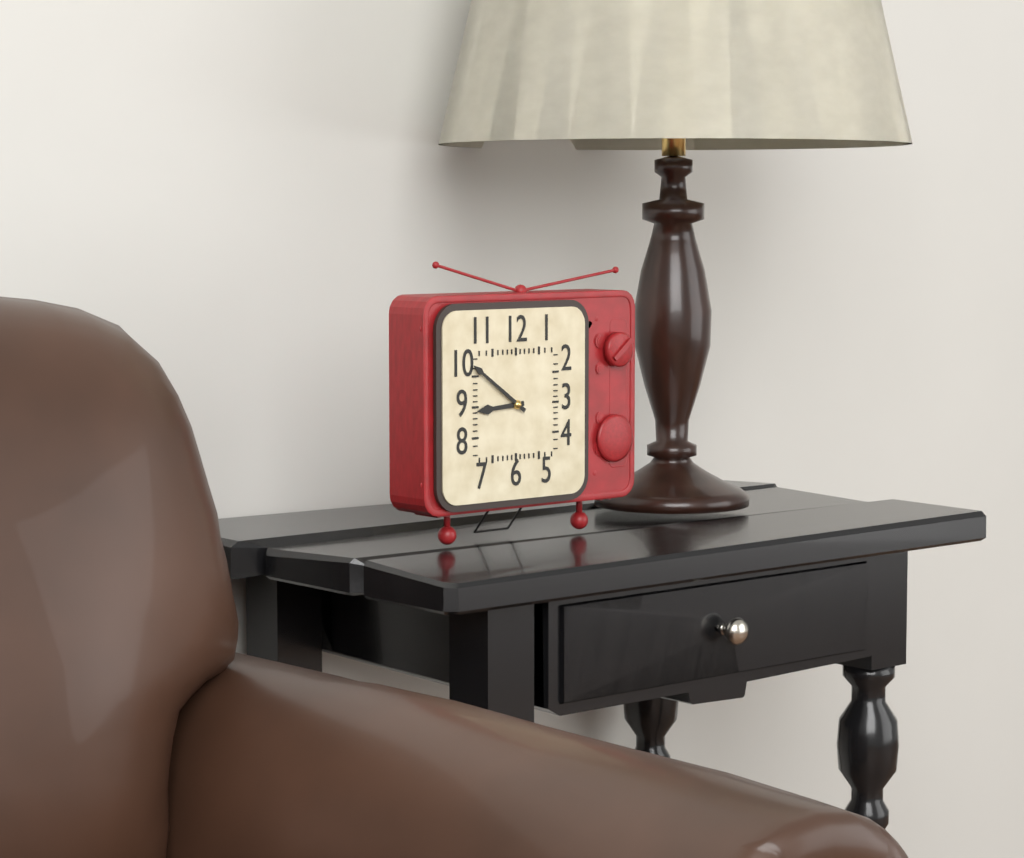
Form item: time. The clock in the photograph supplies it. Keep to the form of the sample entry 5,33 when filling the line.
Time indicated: 8,51
